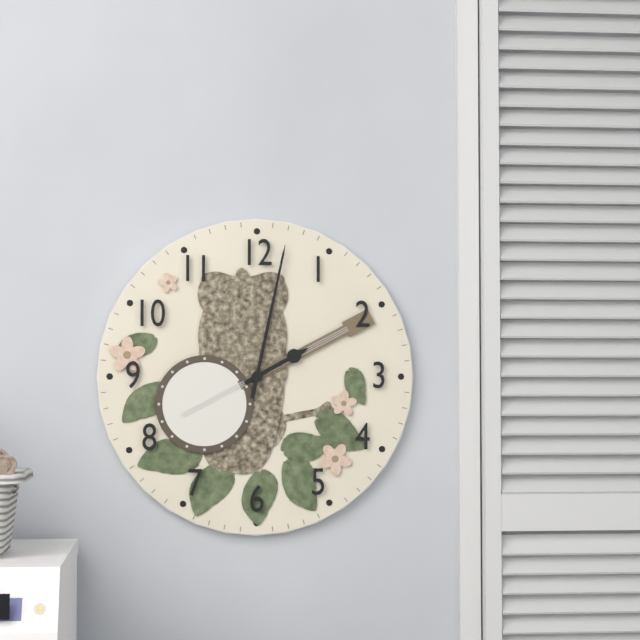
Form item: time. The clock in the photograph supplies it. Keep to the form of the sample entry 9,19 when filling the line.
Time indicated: 2,02
